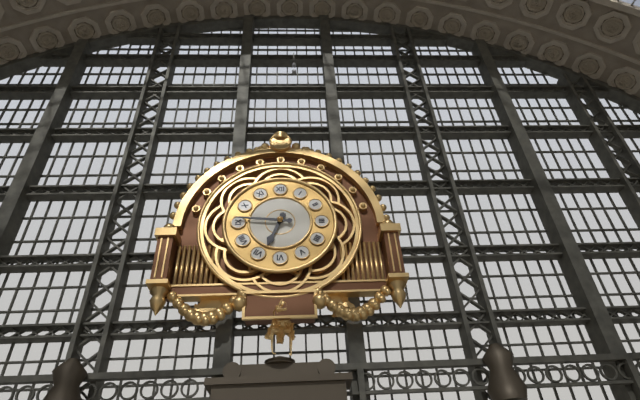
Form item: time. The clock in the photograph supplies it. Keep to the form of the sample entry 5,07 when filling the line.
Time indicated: 6,46
